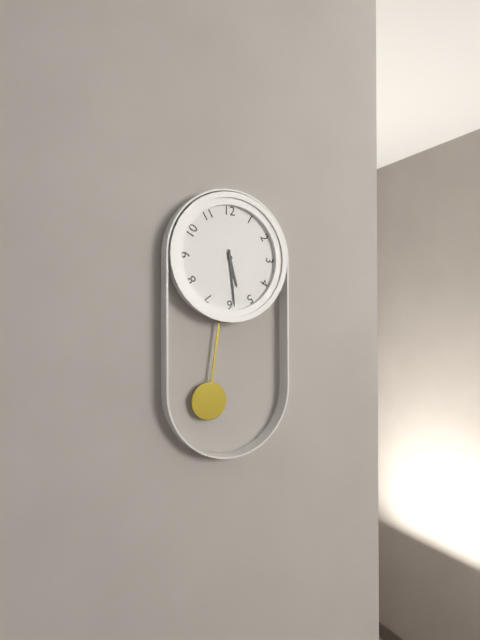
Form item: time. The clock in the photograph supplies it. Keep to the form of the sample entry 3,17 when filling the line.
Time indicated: 5,29
